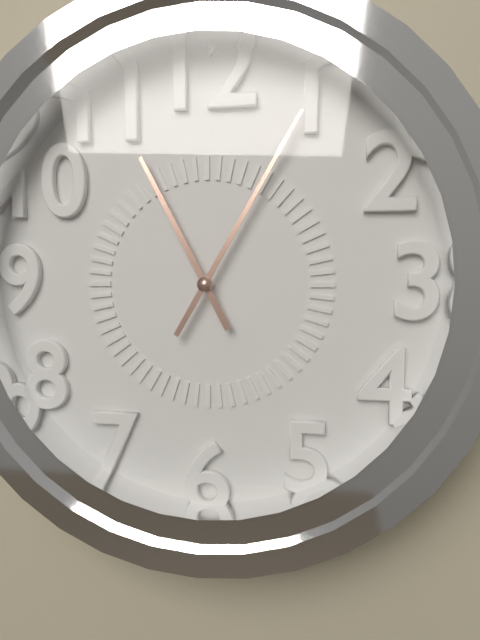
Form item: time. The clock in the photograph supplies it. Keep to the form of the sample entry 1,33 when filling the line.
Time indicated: 11,05
